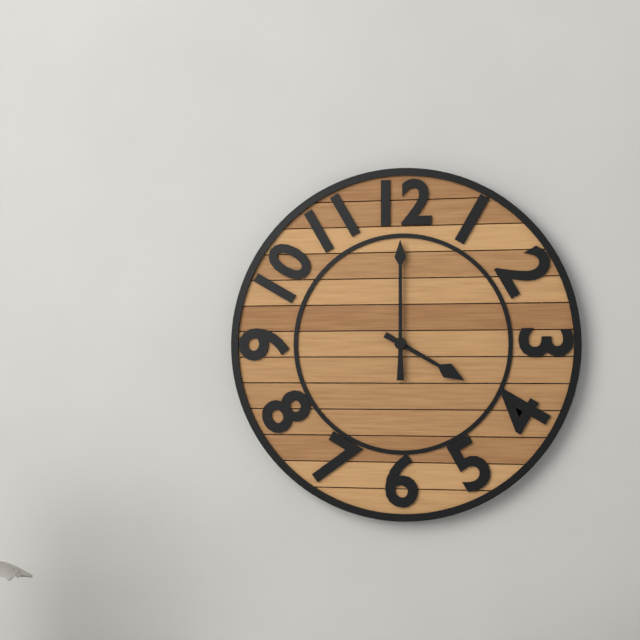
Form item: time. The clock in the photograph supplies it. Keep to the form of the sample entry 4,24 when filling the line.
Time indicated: 4,00
